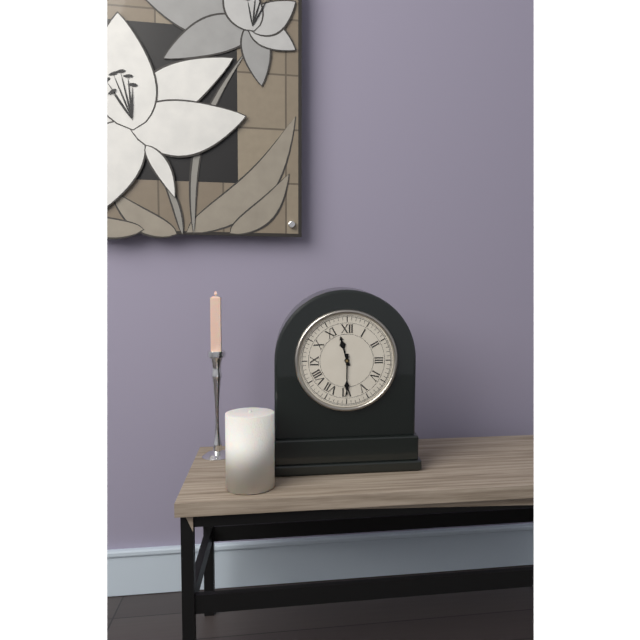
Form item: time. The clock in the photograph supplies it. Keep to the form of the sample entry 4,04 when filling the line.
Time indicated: 11,30
